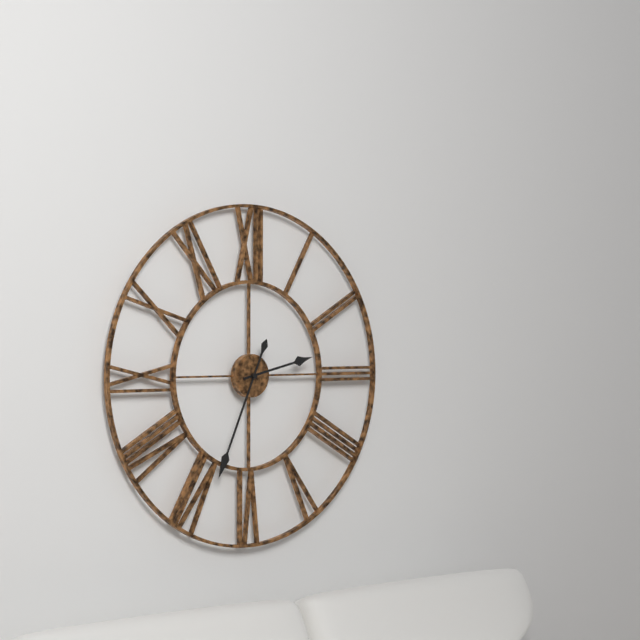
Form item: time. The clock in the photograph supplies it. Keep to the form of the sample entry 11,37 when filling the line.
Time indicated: 2,34
